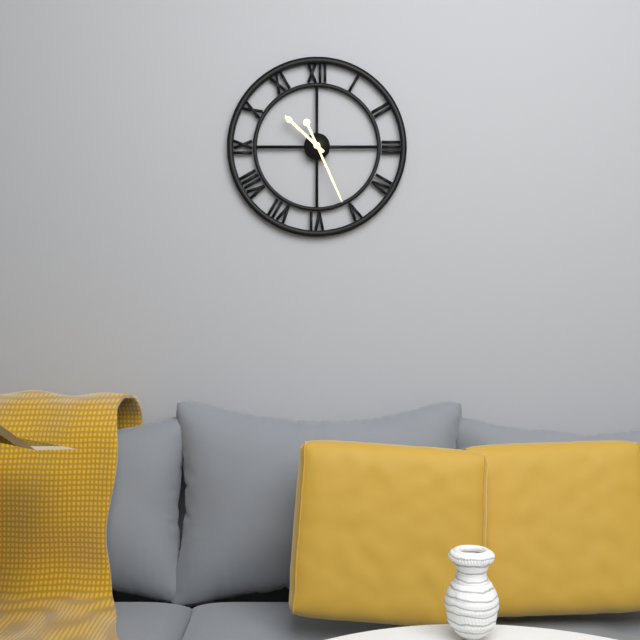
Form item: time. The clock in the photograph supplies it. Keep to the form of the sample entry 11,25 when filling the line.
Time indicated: 10,26
